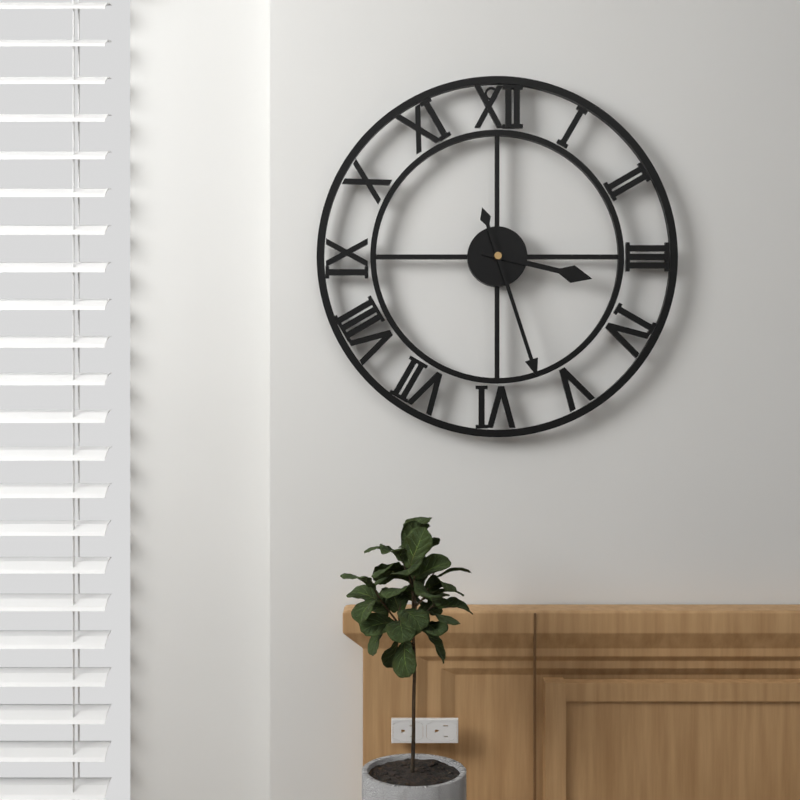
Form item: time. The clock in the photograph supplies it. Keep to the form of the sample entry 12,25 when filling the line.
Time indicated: 3,27
